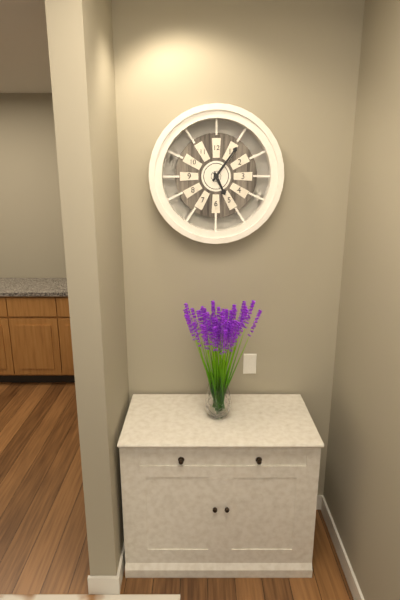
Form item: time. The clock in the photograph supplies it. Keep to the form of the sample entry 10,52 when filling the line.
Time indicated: 5,06
